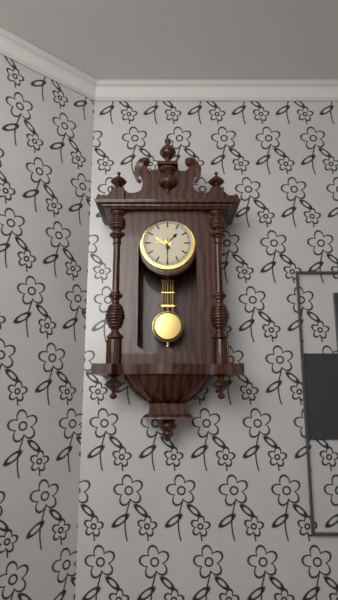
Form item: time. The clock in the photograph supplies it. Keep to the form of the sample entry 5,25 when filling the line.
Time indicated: 1,30
